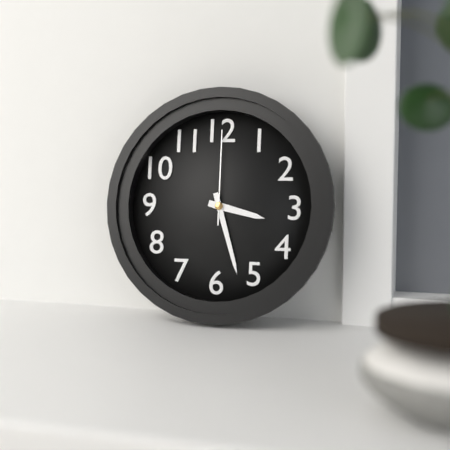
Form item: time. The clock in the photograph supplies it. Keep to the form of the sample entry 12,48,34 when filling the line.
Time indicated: 3,27,00
